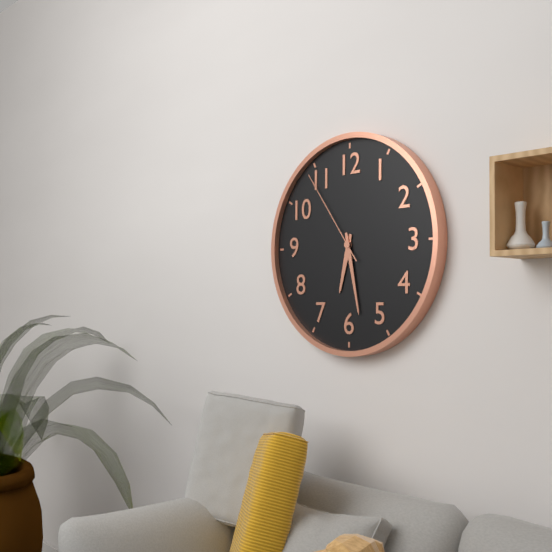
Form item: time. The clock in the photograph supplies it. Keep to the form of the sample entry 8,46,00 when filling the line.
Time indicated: 6,28,54
